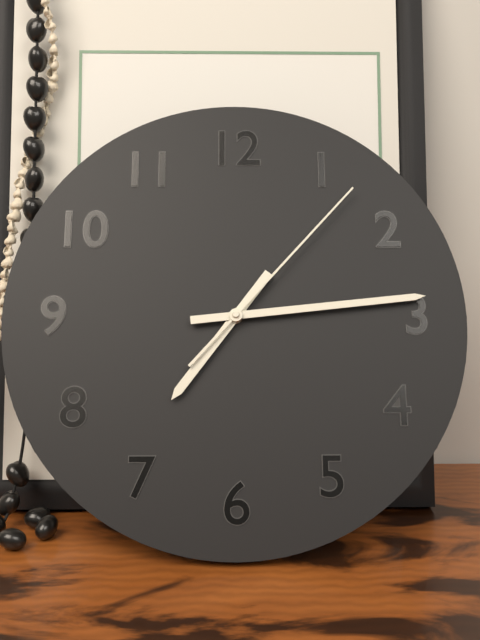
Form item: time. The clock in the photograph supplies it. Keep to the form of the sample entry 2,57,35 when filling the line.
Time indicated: 7,14,07
